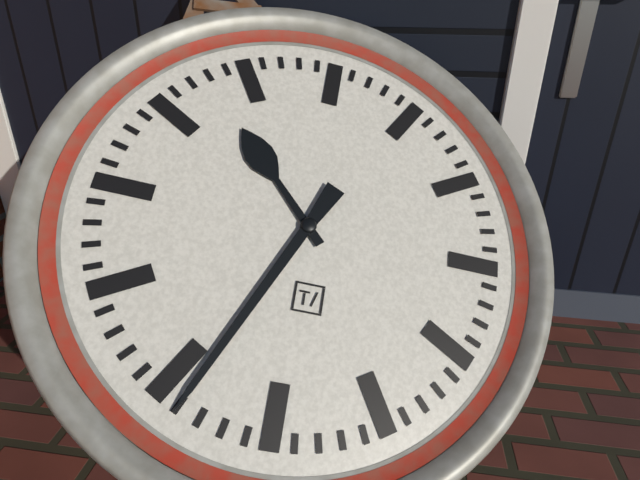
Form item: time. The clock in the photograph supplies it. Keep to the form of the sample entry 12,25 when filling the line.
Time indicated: 10,34
